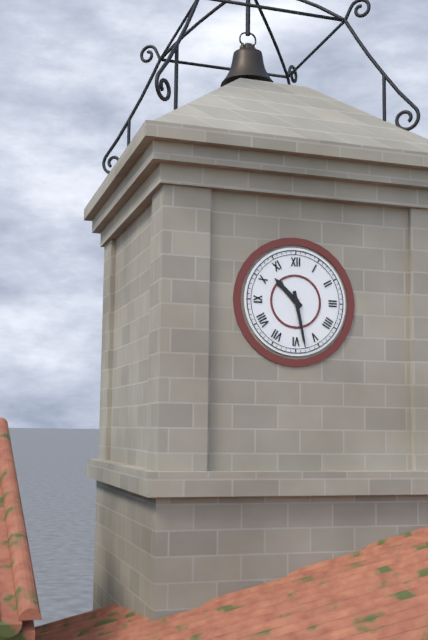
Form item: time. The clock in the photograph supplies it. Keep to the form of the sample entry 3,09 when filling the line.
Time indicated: 10,28
